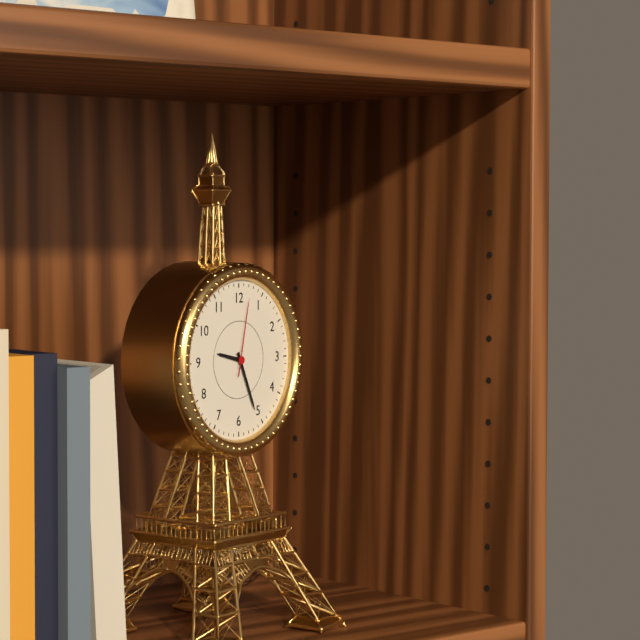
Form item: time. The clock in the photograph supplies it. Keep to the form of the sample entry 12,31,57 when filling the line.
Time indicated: 9,26,02
